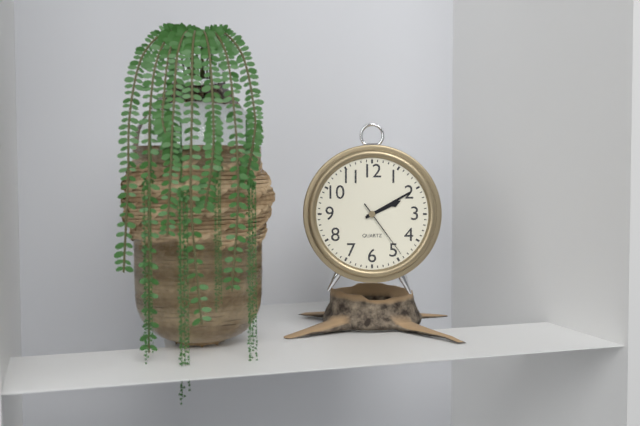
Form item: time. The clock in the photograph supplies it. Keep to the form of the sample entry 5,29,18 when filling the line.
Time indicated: 2,10,24
